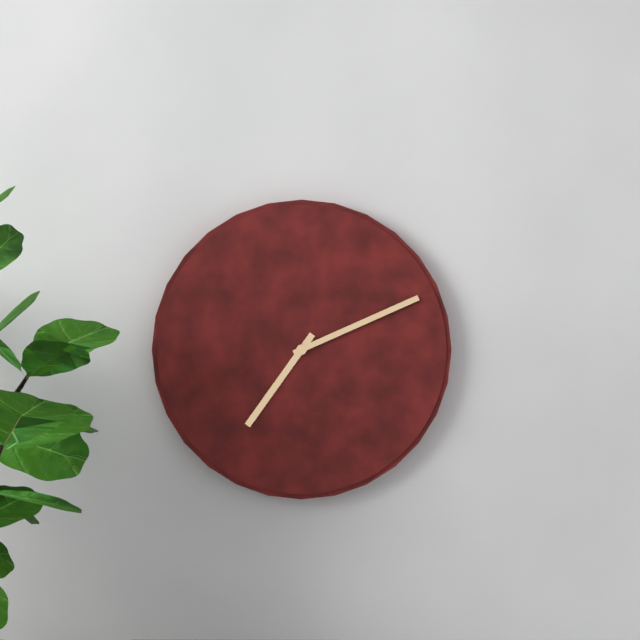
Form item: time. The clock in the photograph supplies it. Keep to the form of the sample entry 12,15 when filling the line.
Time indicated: 7,11
